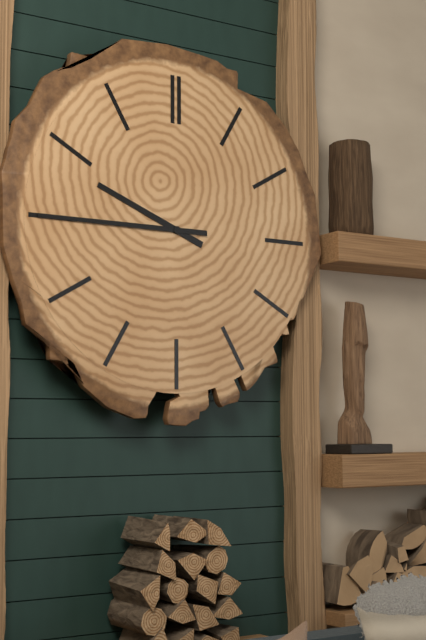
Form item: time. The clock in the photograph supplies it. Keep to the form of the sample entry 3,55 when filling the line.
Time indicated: 9,45
